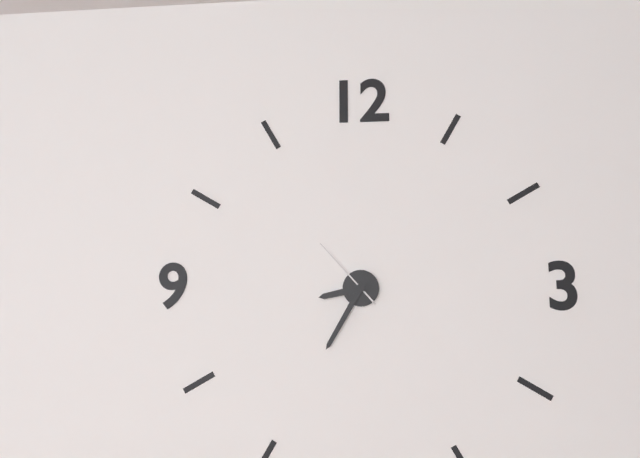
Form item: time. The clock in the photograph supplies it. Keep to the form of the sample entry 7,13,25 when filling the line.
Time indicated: 8,35,53
